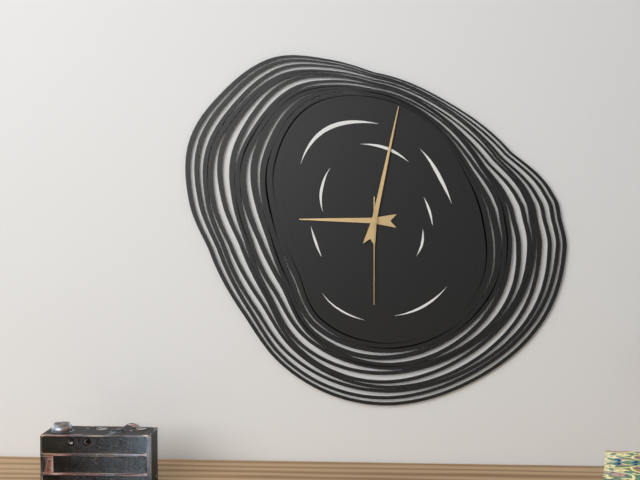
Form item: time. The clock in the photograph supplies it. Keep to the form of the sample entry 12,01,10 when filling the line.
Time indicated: 9,02,30
